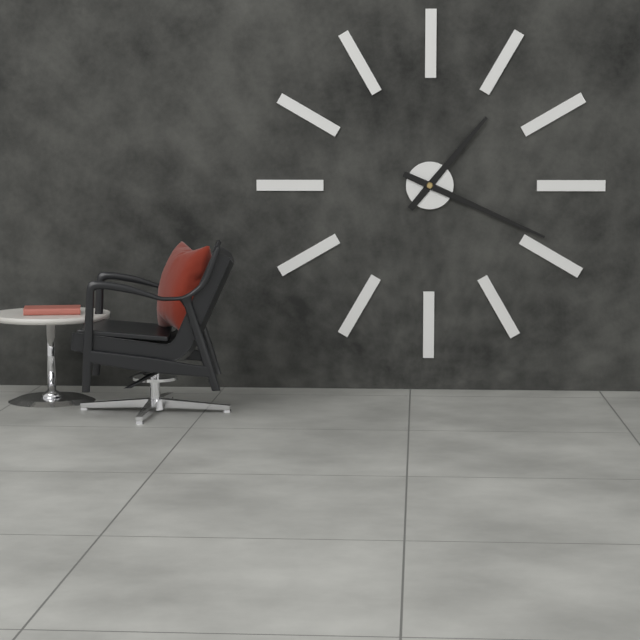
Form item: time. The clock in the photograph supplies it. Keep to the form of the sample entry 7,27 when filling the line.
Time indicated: 1,19
